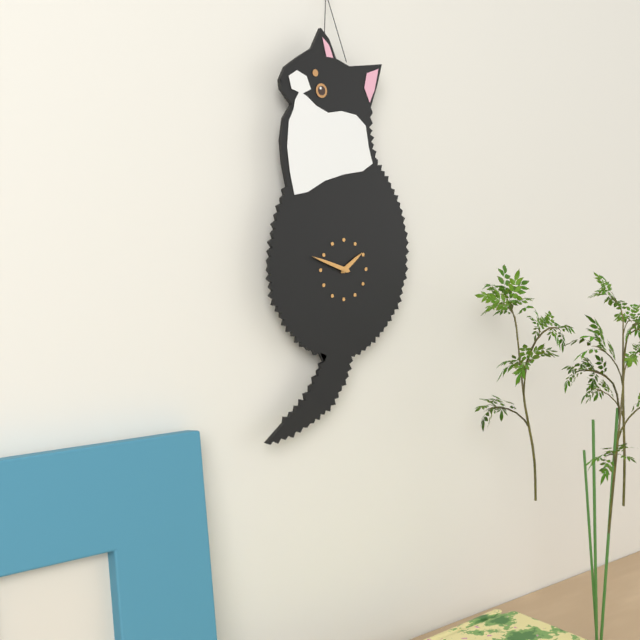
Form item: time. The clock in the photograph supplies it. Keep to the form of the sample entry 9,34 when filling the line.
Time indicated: 1,48
